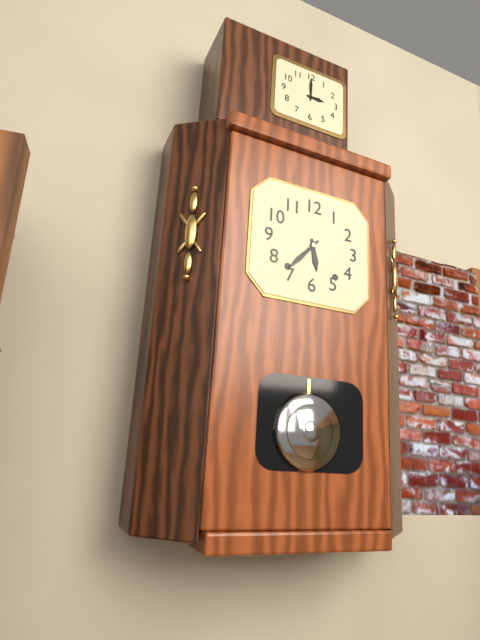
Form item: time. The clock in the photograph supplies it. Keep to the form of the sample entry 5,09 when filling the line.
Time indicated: 5,37
